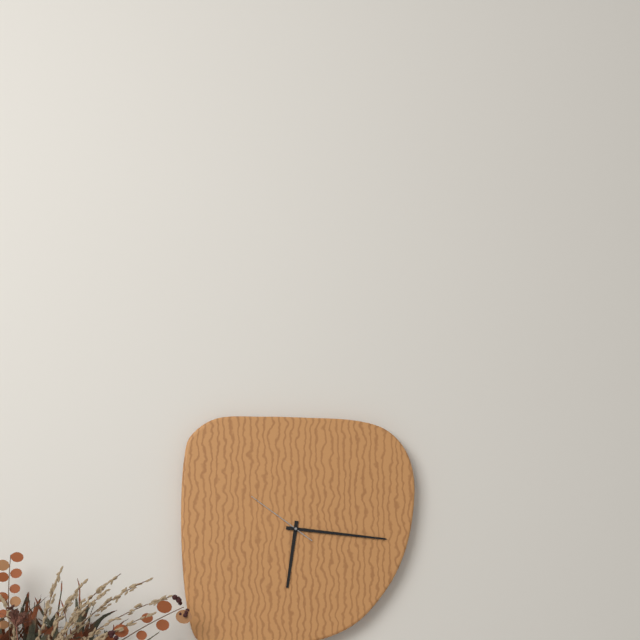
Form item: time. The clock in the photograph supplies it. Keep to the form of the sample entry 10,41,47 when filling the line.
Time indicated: 6,16,51
